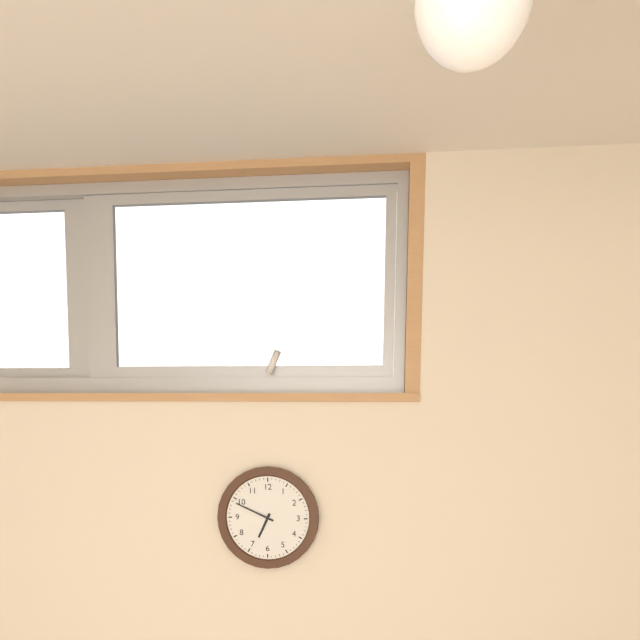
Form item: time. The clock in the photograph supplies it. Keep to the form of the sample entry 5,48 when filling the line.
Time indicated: 6,49
